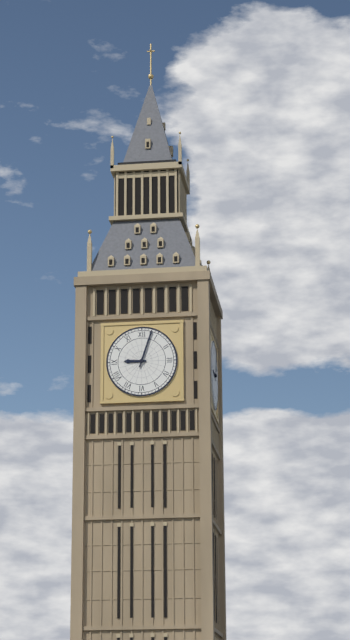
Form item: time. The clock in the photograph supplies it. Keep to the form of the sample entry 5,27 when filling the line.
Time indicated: 9,03
